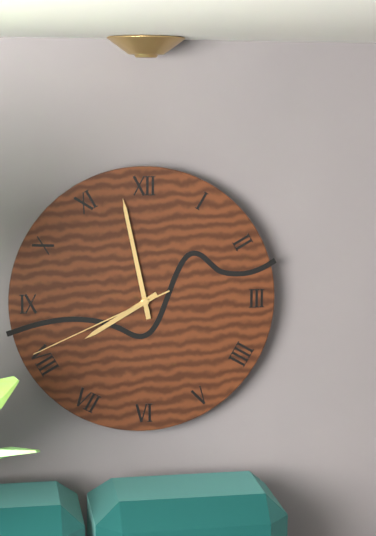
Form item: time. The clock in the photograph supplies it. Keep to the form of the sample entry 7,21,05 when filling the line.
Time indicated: 7,58,41
